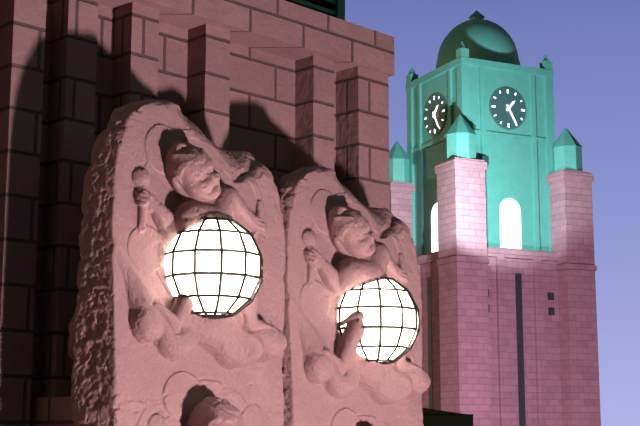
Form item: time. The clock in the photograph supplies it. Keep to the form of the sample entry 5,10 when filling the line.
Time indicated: 1,25
